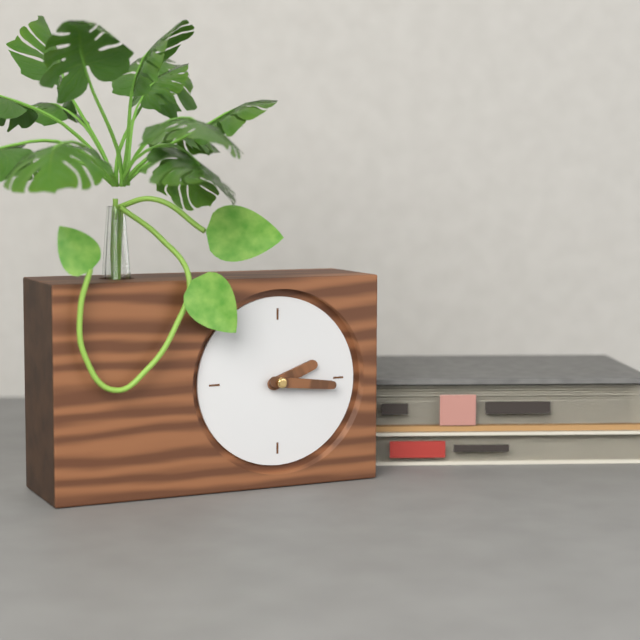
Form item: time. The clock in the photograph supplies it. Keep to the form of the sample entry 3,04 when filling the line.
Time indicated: 2,16
